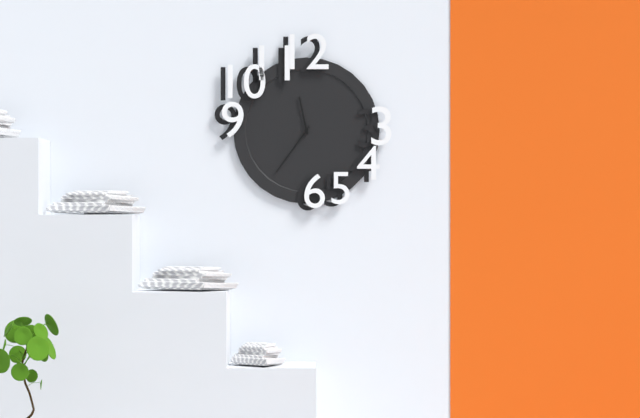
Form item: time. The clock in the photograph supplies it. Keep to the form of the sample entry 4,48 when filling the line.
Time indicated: 11,36
